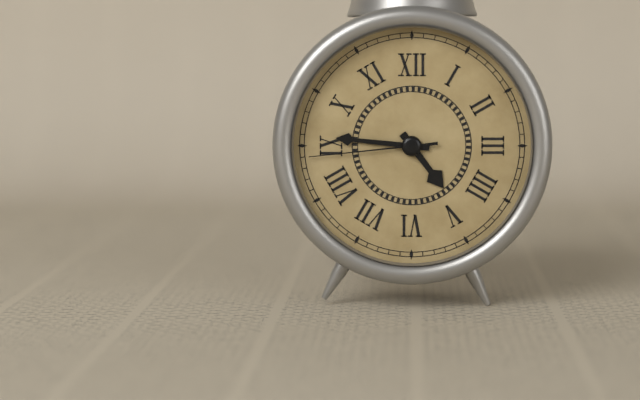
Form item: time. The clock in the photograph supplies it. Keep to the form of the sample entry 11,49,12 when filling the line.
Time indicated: 4,46,44
